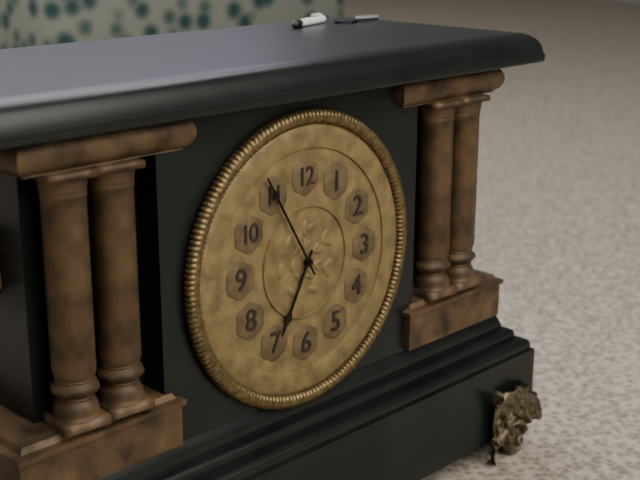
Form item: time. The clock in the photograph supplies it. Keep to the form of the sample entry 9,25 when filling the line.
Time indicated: 6,55
